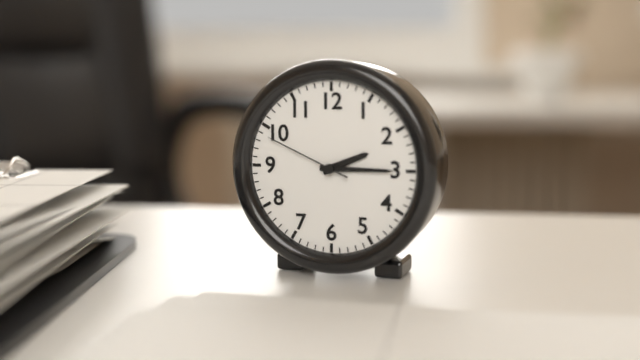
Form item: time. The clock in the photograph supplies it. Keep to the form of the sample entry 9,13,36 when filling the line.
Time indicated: 2,15,49
